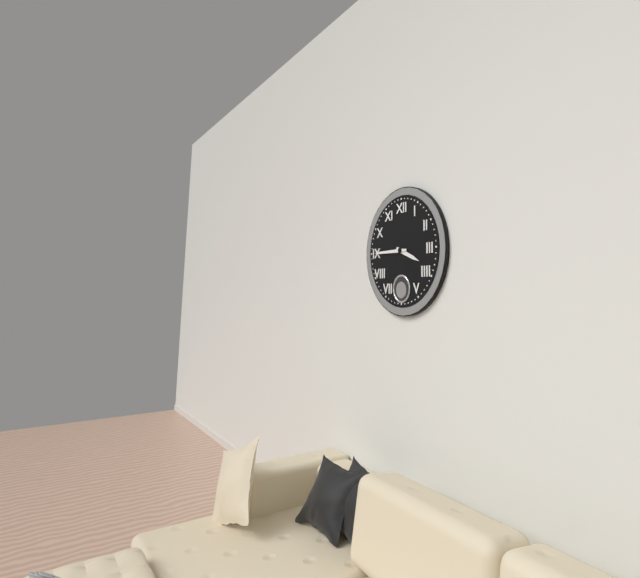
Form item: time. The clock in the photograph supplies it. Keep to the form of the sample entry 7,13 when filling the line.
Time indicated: 3,45
